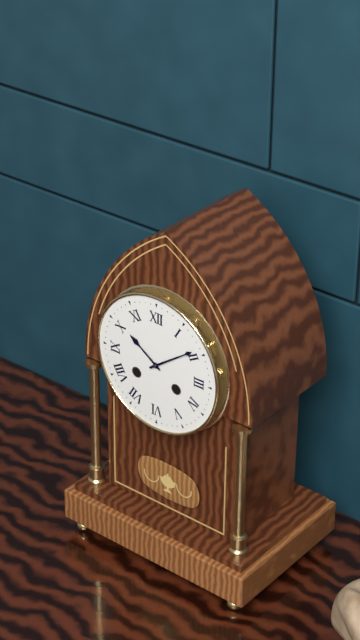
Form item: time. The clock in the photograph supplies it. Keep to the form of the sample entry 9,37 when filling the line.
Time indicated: 10,09
